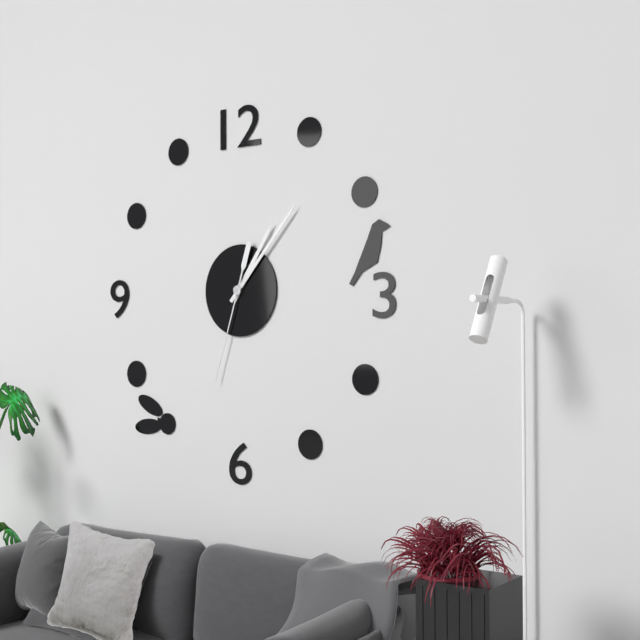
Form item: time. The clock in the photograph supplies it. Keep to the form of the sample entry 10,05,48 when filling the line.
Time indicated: 1,07,33
